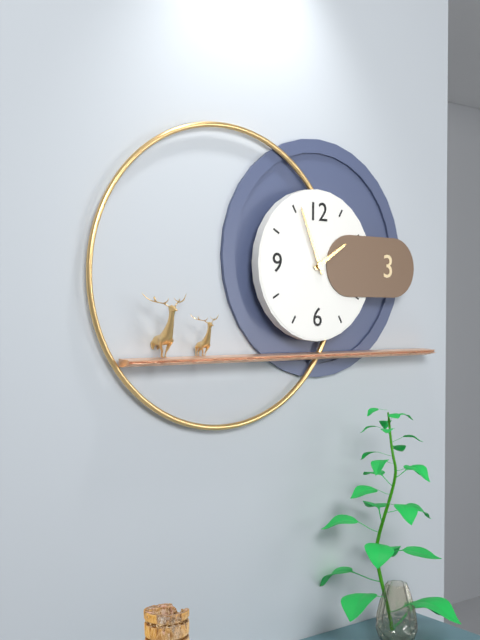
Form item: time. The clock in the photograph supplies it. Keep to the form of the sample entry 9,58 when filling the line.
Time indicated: 1,56
